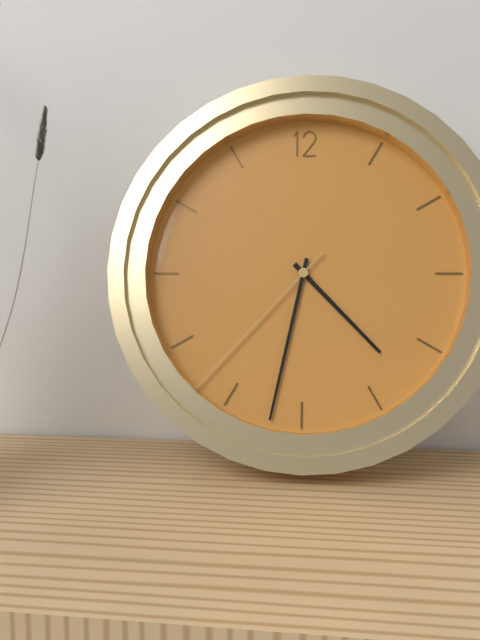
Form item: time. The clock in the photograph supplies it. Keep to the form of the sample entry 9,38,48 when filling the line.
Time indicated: 4,32,37
